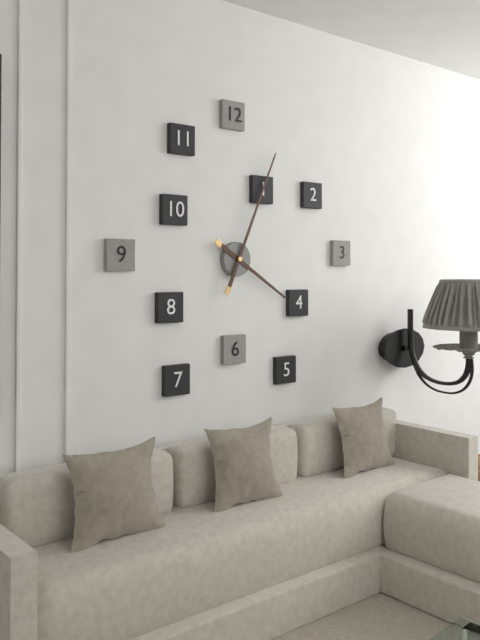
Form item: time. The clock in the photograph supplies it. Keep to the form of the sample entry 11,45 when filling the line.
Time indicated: 4,04
